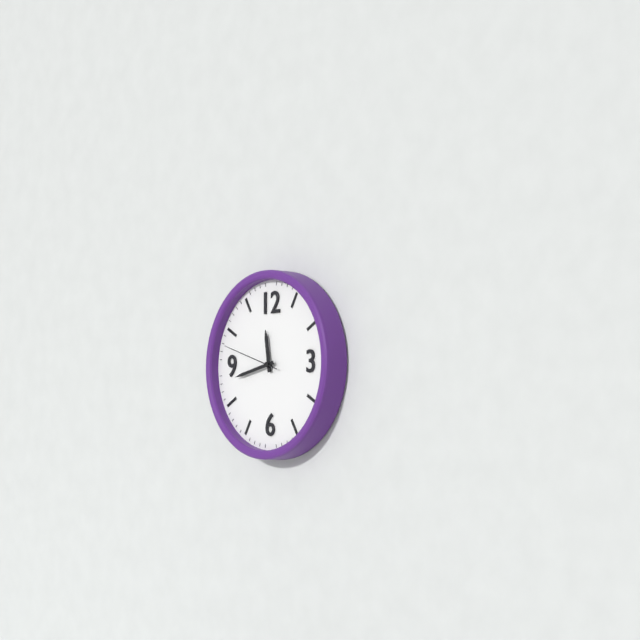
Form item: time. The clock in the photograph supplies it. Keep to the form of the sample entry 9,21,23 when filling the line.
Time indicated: 11,43,48
